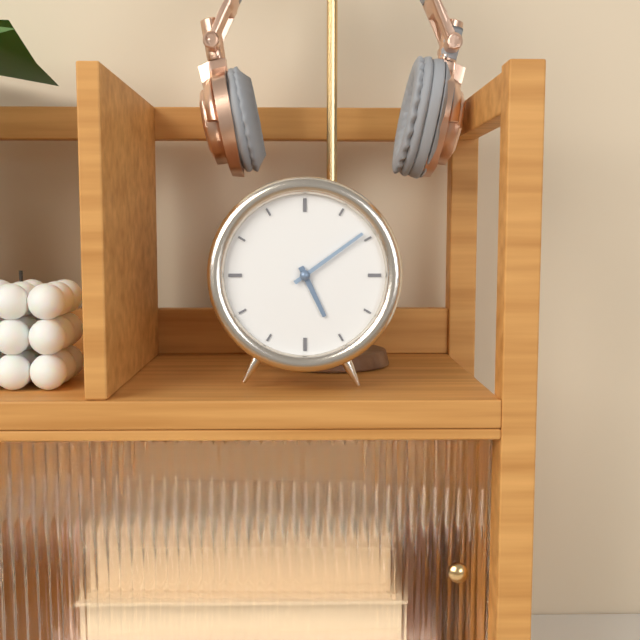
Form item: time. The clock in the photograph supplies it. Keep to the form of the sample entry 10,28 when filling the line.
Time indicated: 5,09
